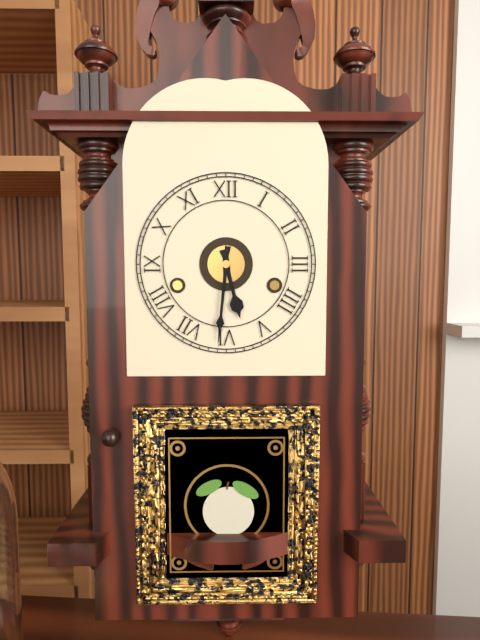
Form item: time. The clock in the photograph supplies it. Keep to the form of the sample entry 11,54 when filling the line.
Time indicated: 5,31
